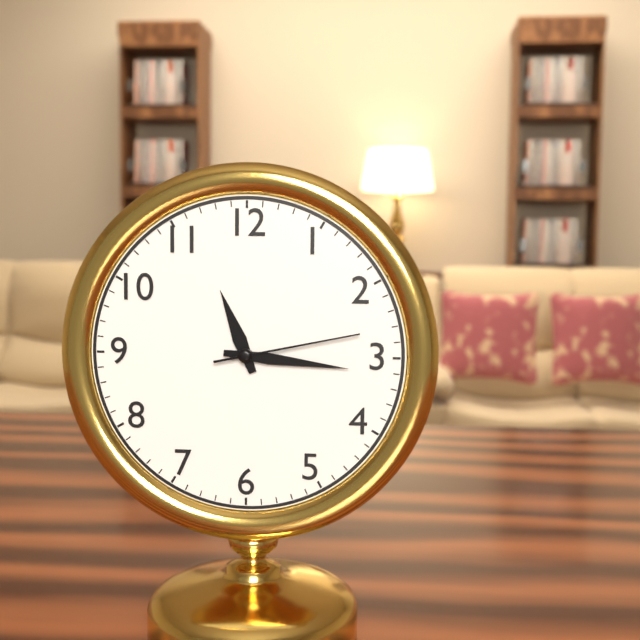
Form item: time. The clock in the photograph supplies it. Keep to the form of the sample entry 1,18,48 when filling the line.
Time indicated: 11,16,13
